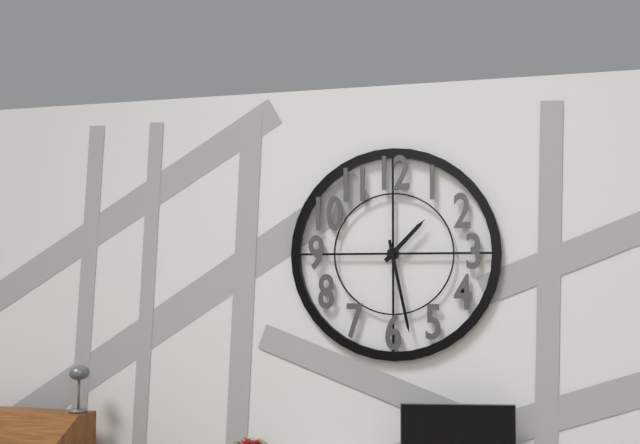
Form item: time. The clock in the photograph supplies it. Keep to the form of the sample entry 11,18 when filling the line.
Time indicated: 1,28
